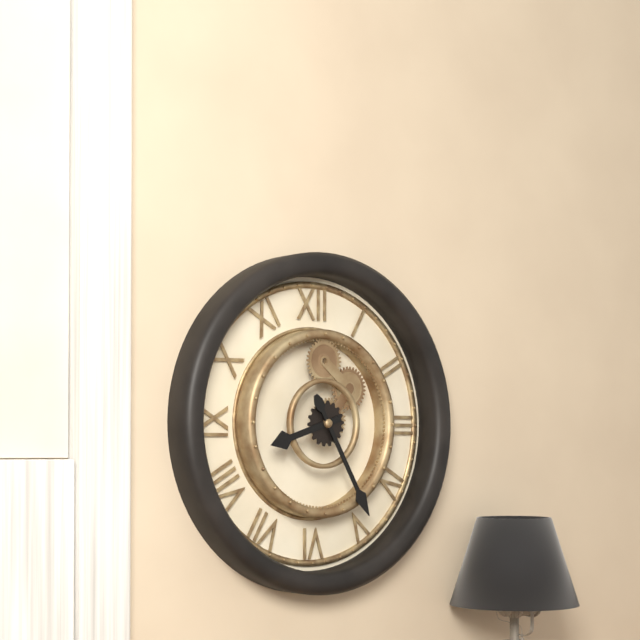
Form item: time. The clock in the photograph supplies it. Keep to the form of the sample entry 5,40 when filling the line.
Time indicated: 8,25
